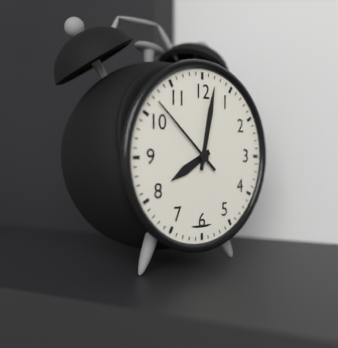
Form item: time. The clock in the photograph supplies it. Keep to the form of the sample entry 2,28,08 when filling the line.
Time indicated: 8,02,52
